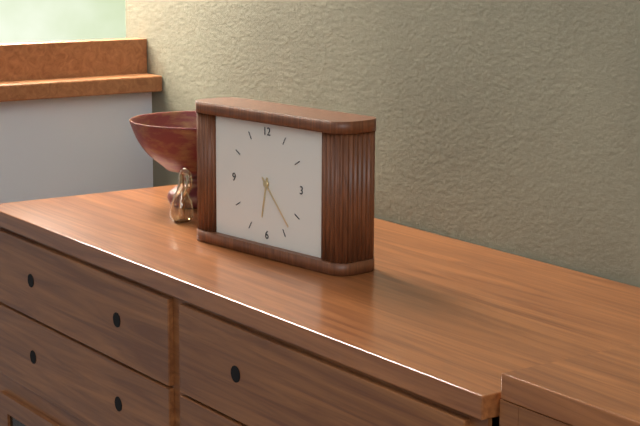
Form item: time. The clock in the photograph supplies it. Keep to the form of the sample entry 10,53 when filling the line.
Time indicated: 6,23
